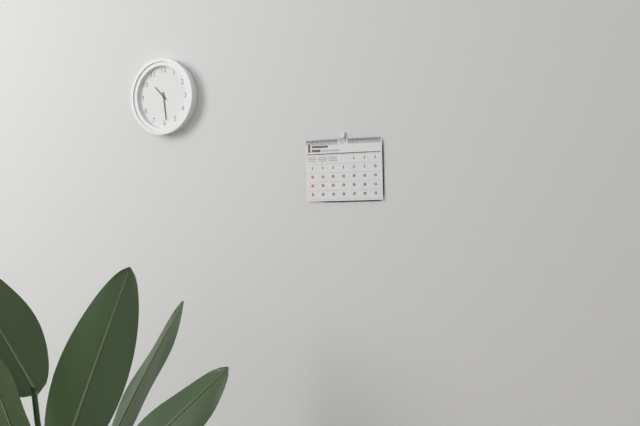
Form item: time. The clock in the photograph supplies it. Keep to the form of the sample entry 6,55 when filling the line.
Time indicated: 10,29
